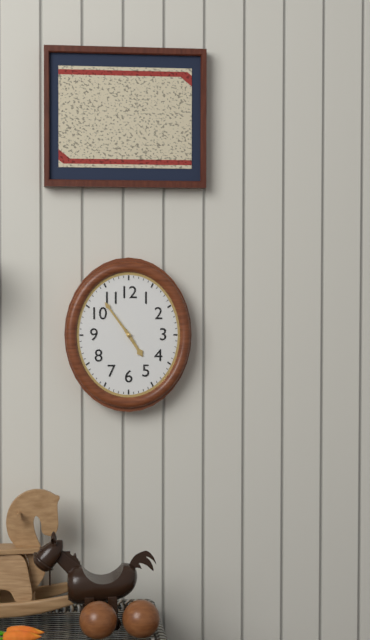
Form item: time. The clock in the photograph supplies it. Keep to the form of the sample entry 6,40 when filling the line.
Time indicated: 4,54
